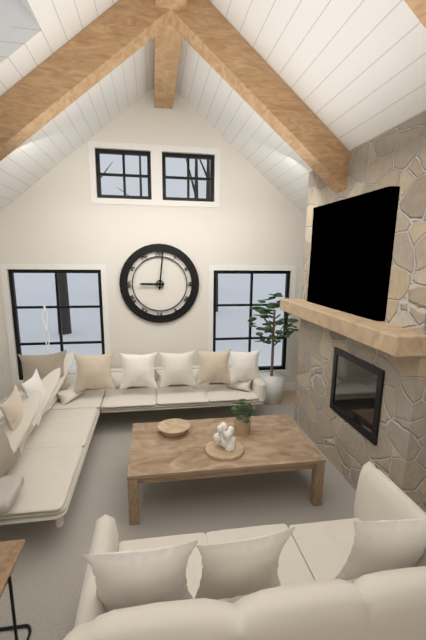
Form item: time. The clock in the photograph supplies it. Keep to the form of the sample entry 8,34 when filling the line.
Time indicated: 9,01
